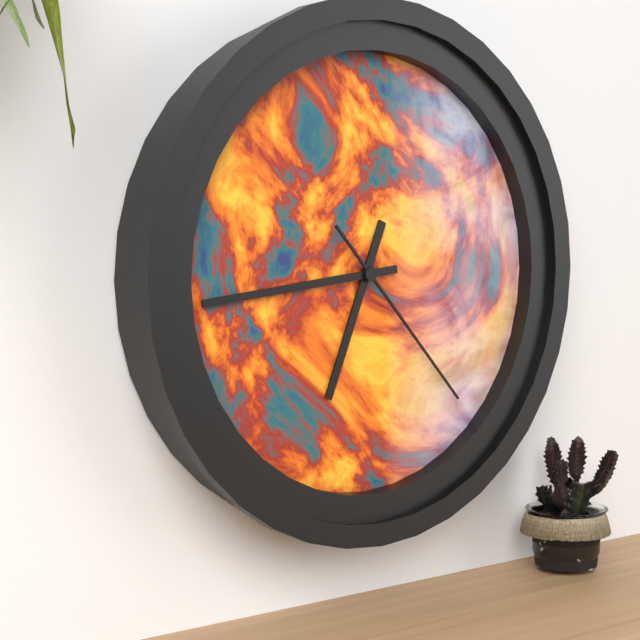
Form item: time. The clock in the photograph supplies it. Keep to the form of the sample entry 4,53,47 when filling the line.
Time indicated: 6,44,23
